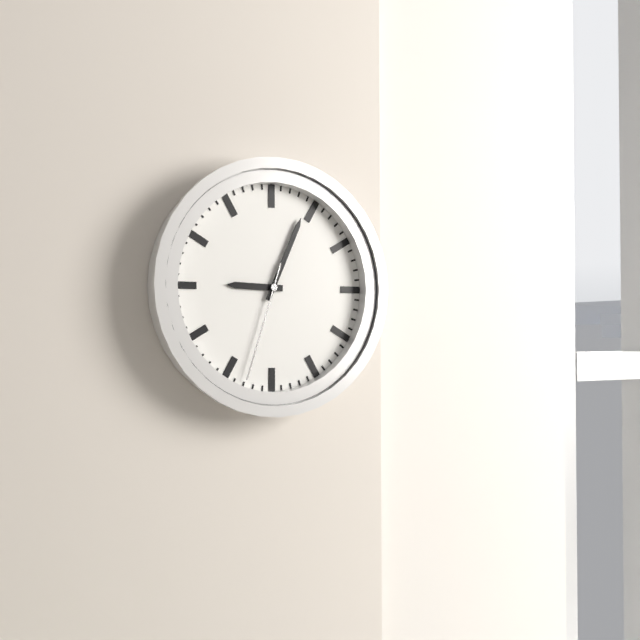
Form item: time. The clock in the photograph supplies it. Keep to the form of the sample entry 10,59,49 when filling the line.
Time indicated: 9,04,33
